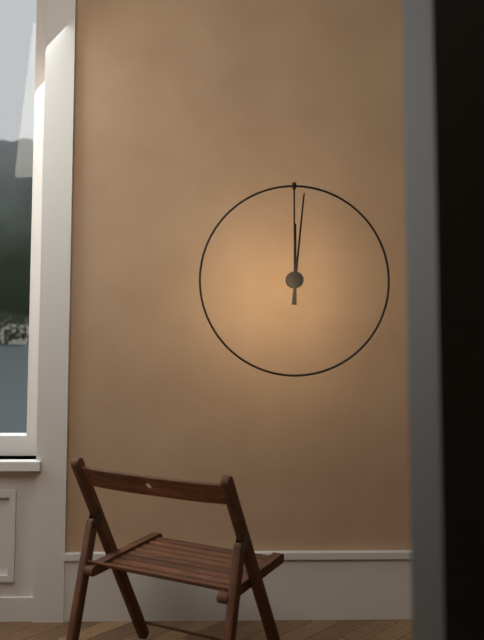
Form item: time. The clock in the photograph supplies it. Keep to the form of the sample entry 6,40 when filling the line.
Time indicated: 12,01
